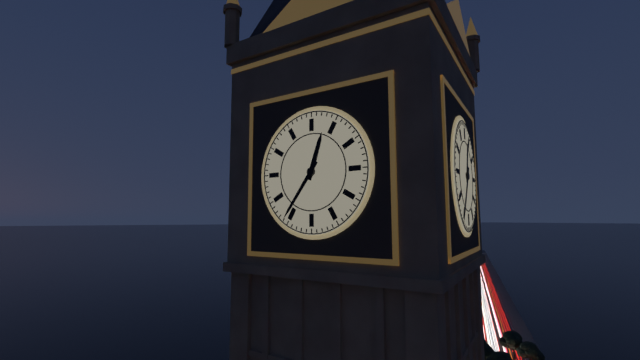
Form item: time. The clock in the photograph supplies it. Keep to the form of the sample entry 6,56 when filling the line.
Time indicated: 12,36
